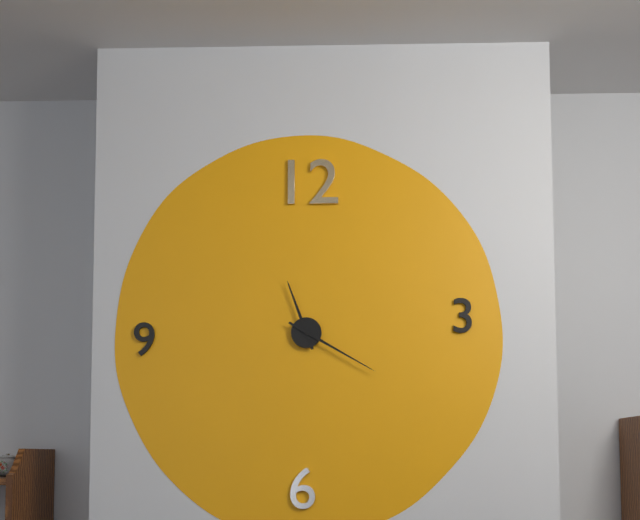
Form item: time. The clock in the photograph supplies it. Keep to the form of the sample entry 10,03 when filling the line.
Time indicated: 11,20
